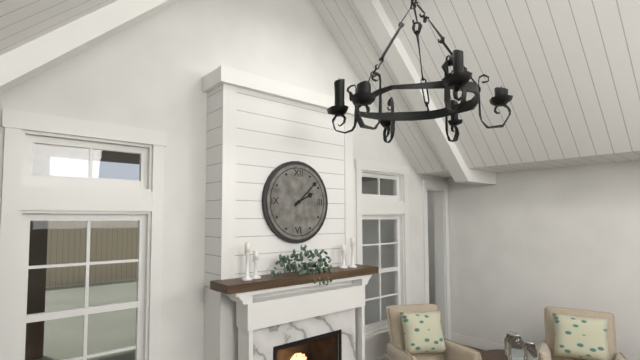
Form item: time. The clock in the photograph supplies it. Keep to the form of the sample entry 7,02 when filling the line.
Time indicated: 2,08
